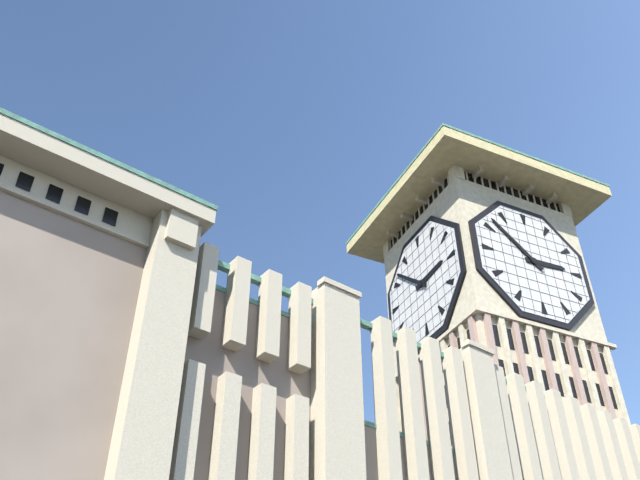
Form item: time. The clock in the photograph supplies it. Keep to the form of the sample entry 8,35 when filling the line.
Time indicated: 2,52
